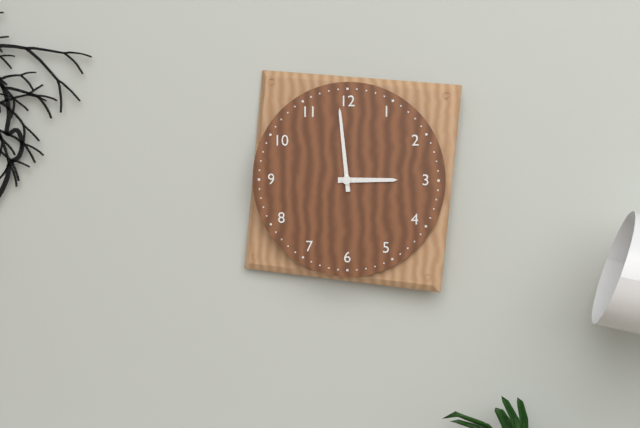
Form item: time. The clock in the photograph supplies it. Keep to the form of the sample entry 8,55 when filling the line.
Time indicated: 2,59
